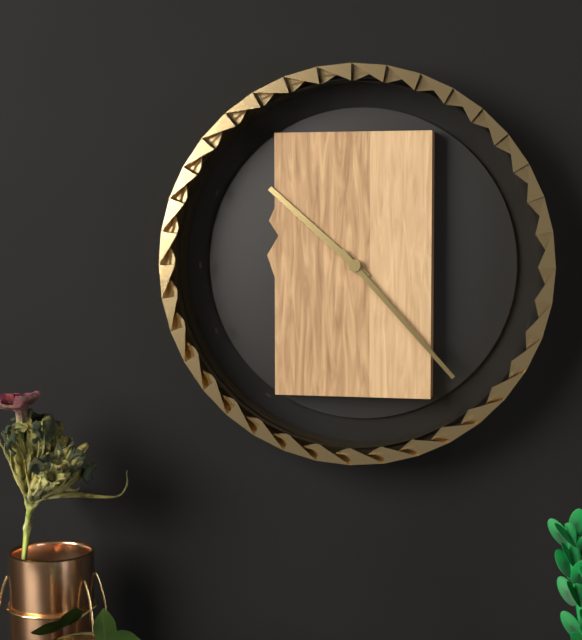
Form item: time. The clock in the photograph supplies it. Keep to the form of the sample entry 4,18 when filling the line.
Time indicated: 10,23
